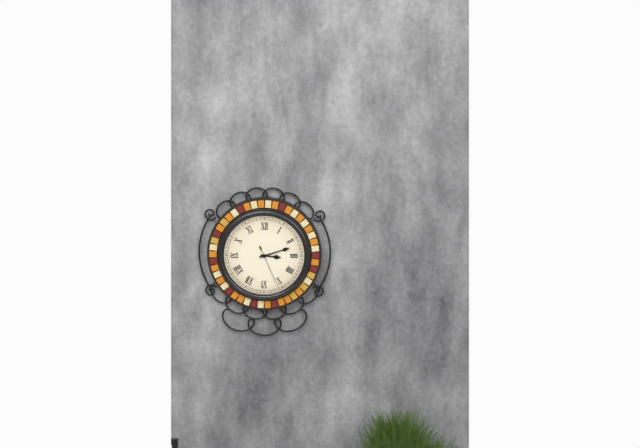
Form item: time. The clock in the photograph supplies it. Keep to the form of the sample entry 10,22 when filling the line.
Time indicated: 3,12
